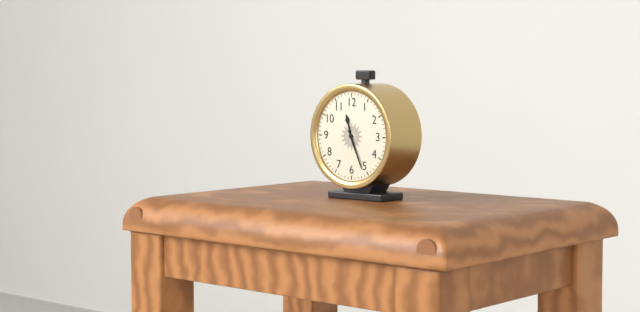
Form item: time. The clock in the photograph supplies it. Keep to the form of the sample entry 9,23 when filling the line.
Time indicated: 11,26
